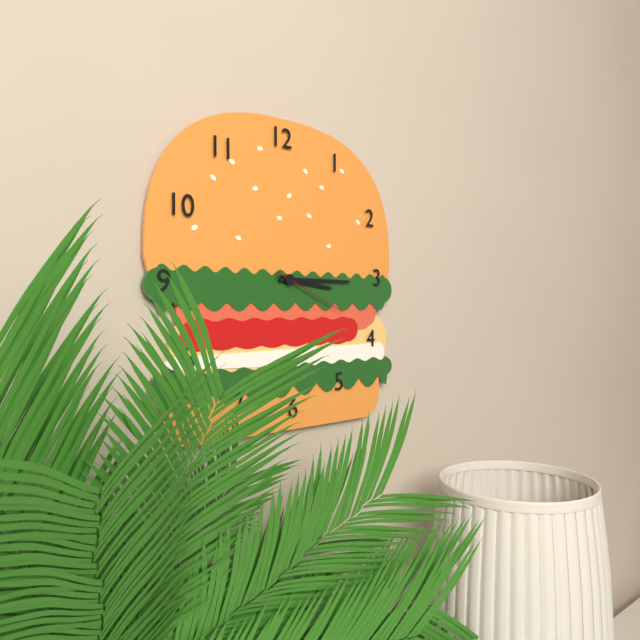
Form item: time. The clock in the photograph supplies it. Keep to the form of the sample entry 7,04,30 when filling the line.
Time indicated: 3,15,19
